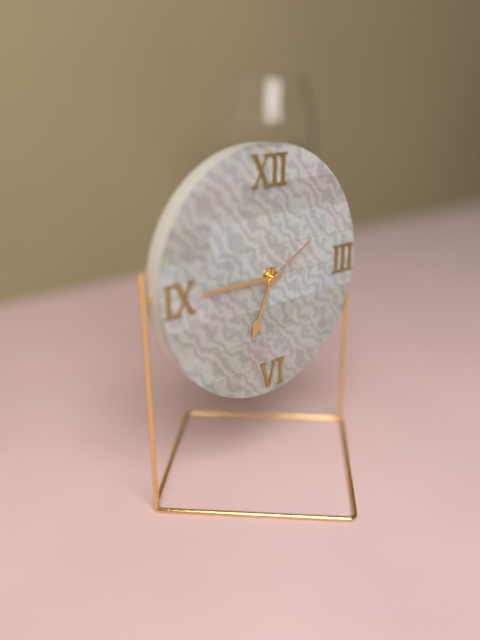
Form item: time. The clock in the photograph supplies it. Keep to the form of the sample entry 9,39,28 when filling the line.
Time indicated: 6,45,10
